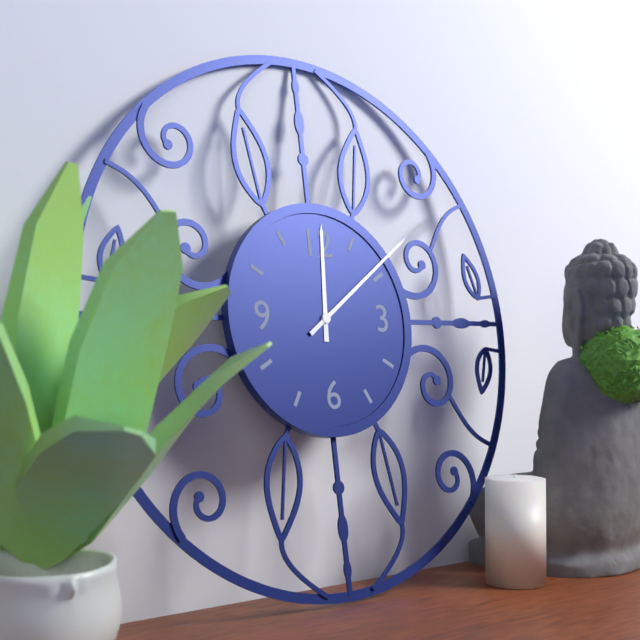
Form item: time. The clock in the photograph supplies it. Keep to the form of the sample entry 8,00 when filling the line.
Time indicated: 12,09
